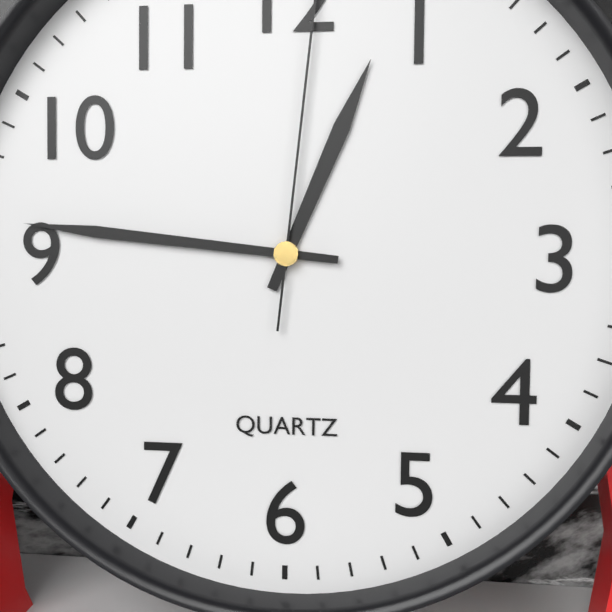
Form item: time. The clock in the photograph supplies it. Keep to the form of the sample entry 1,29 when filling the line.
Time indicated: 12,46
